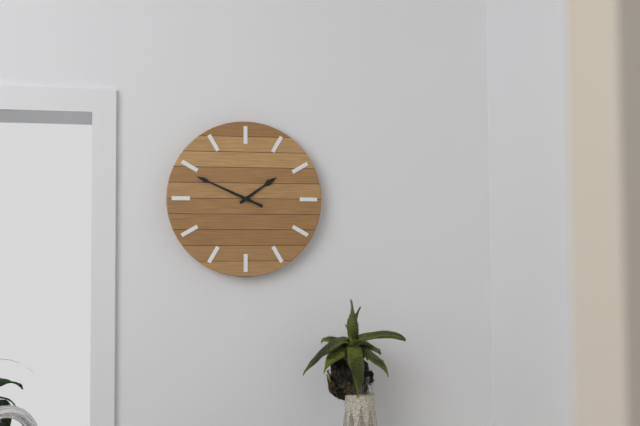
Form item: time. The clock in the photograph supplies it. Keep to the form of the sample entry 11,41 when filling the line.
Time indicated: 1,49
